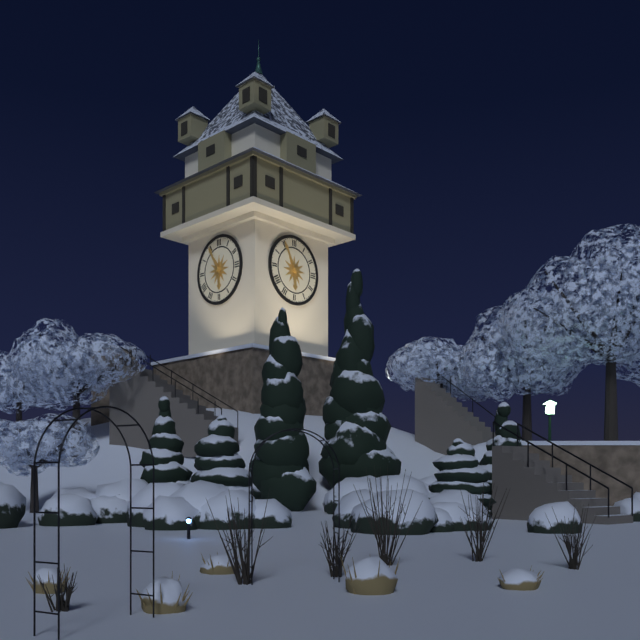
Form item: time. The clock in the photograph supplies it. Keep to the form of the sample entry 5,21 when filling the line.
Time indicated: 5,55
